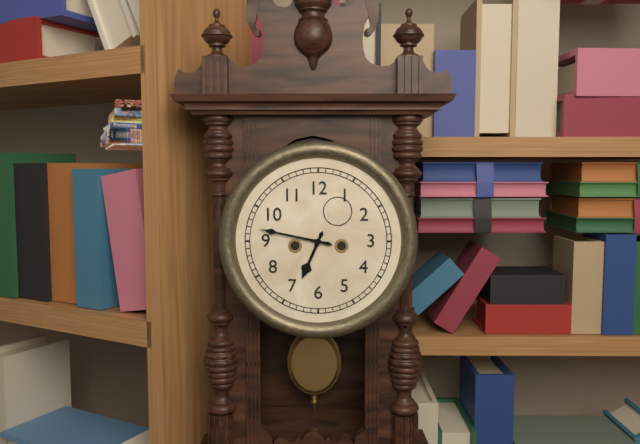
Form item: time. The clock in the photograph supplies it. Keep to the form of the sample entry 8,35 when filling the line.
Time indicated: 6,47
